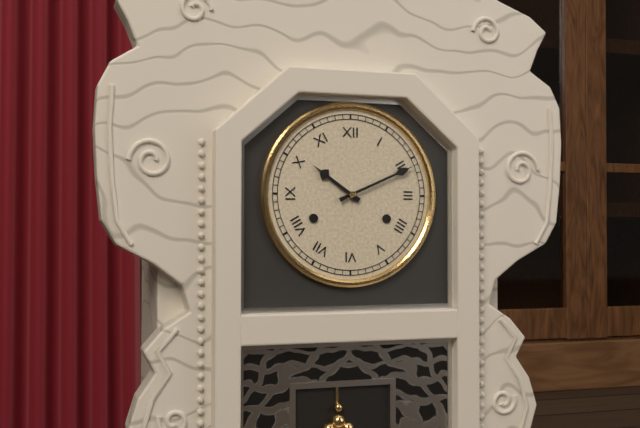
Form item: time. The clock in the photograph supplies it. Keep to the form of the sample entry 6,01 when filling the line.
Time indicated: 10,11
